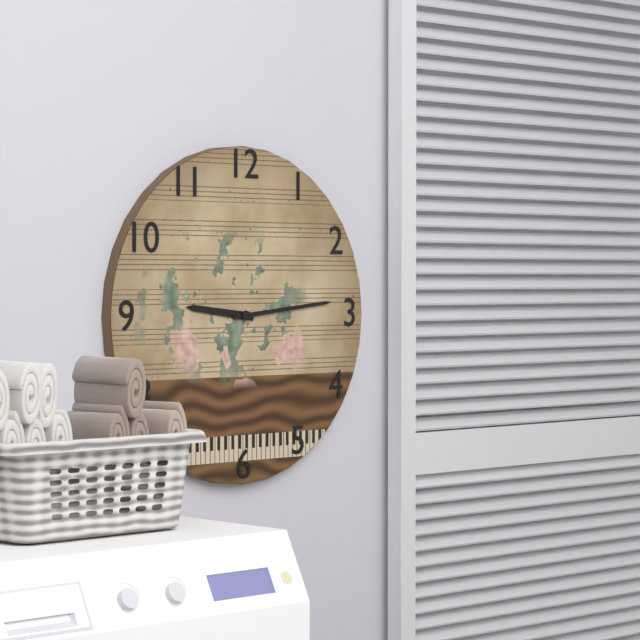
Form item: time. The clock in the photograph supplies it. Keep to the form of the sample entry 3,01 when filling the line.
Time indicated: 9,14
